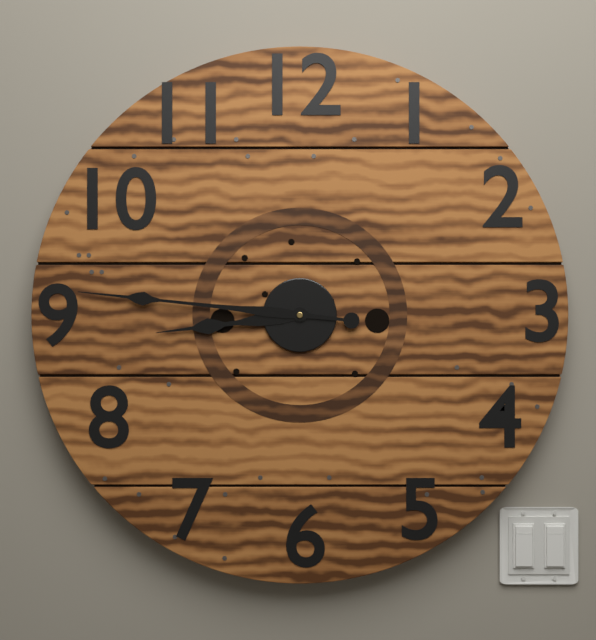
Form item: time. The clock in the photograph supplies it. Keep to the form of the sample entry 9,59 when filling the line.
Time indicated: 8,46
